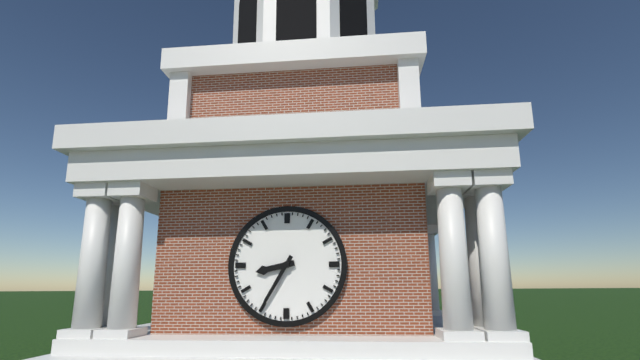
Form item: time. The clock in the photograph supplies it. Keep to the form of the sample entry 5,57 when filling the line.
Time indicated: 8,35
